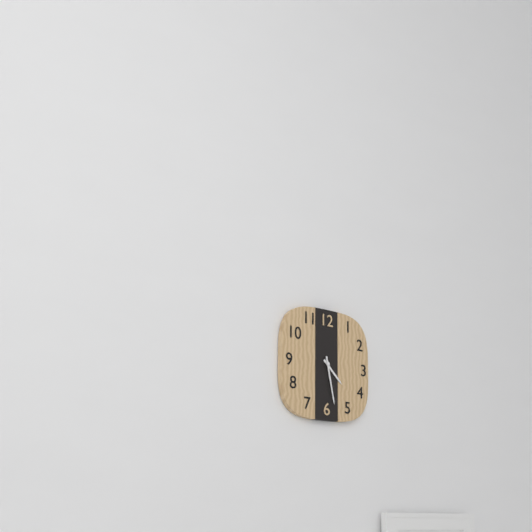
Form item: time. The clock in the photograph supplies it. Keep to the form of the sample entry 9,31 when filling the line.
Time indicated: 4,28
